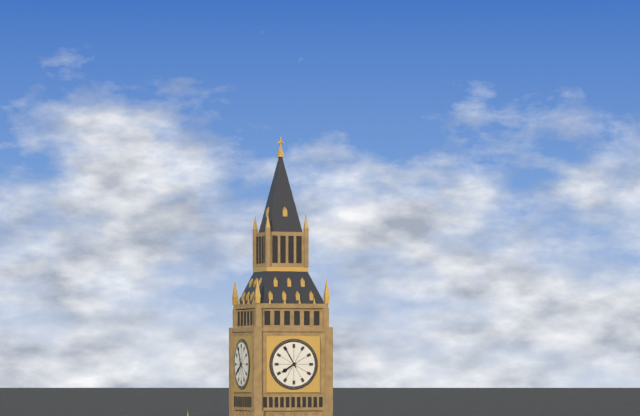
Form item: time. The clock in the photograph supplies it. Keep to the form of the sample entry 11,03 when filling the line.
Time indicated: 7,55
